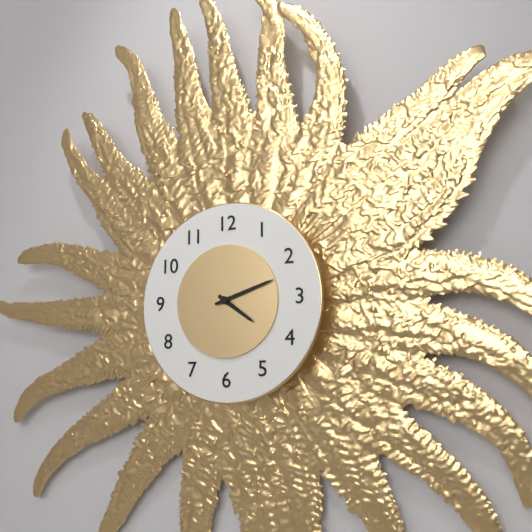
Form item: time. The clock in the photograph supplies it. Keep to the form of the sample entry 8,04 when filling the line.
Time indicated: 4,12
